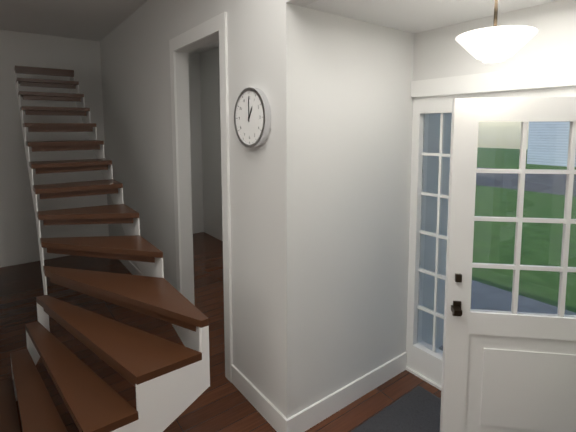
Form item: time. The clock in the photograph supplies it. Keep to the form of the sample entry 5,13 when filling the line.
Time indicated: 1,00
